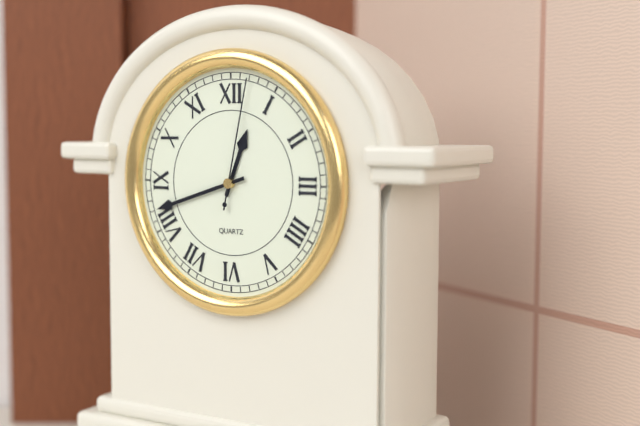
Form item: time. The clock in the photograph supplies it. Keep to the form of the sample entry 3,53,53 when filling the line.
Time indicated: 12,42,02
